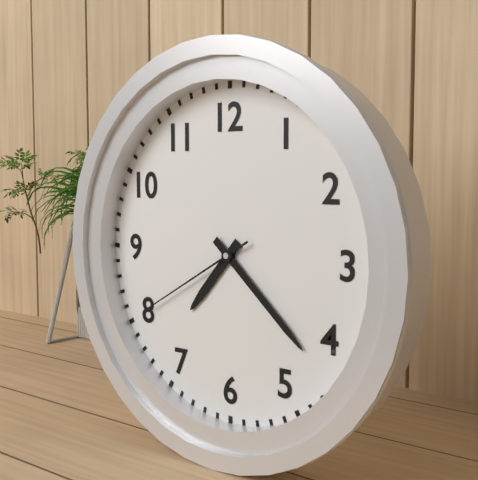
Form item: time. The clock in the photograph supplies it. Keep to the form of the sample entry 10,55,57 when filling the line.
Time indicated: 7,22,40
